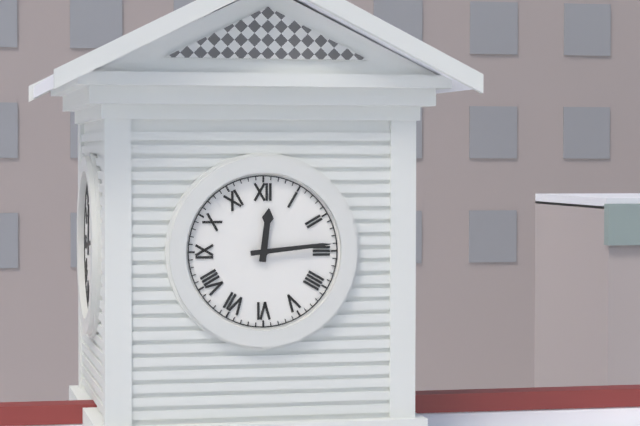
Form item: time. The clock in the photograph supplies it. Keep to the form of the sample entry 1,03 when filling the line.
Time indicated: 12,14
